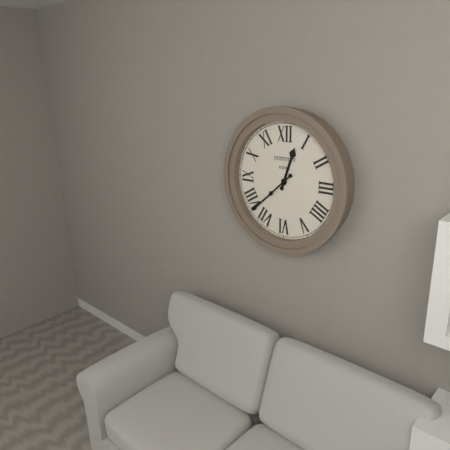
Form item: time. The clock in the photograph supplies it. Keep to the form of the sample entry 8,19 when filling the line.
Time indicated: 12,38
